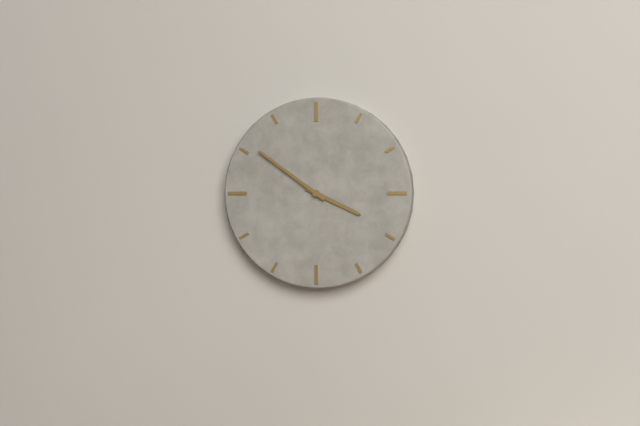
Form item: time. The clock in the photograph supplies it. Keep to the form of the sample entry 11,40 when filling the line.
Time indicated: 3,51
